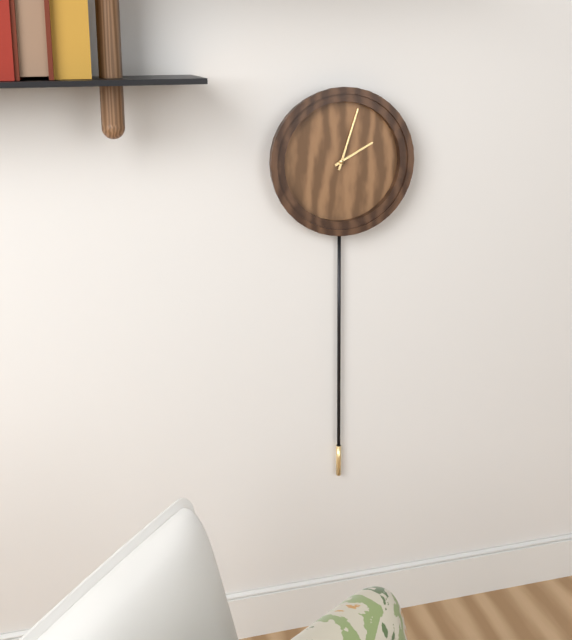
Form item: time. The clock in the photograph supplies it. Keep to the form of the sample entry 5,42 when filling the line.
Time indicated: 2,03
